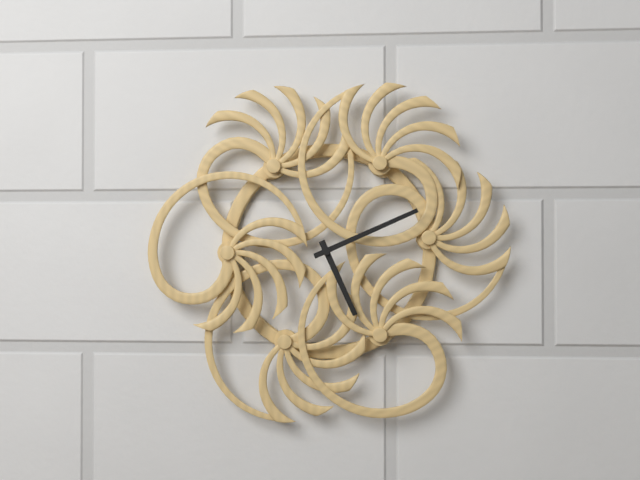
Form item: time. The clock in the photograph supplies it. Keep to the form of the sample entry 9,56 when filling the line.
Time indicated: 5,11
